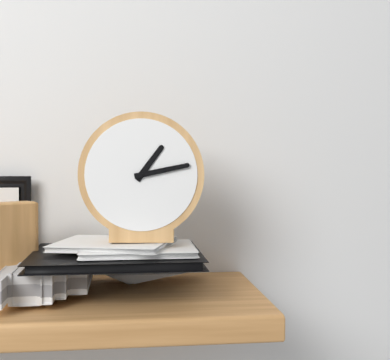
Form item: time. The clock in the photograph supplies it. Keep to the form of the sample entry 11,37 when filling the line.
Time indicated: 1,13
